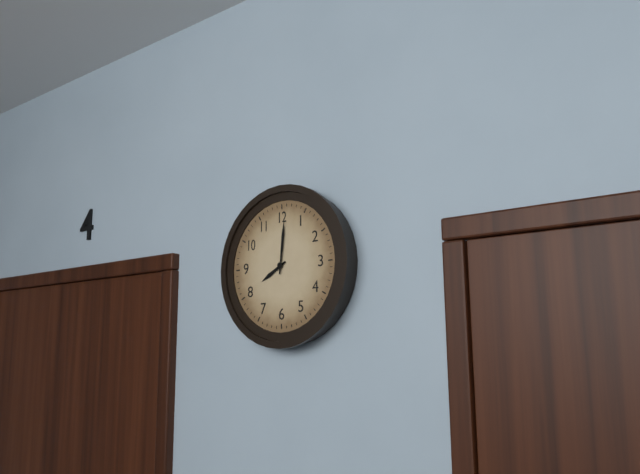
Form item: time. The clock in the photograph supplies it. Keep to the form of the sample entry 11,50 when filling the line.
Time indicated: 8,01
